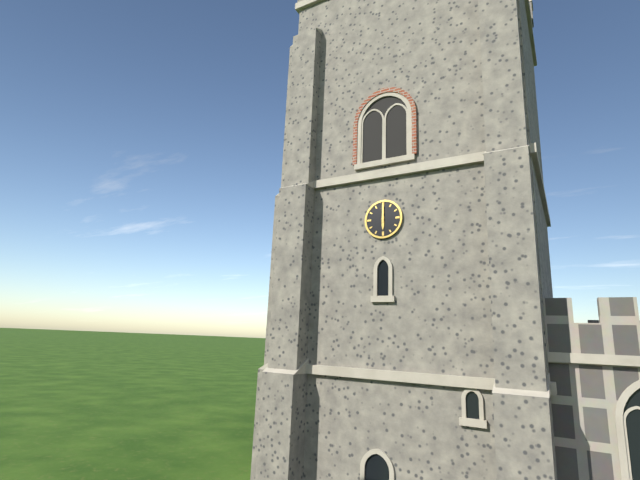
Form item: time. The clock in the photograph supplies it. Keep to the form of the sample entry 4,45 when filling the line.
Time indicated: 6,00
